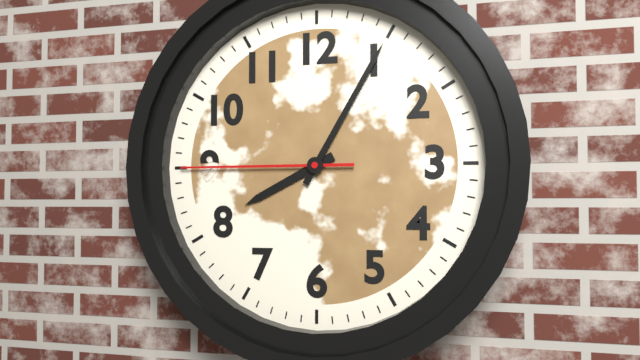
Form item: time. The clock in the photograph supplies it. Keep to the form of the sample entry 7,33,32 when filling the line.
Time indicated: 8,05,45
